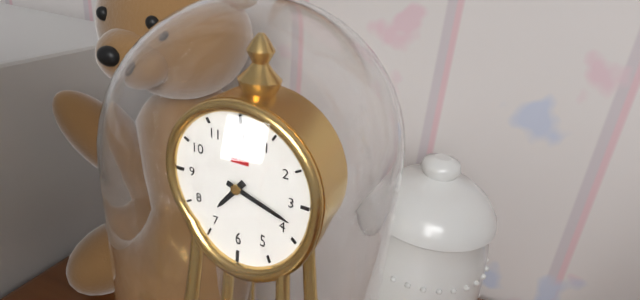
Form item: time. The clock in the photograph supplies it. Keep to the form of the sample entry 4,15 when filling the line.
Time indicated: 7,18
